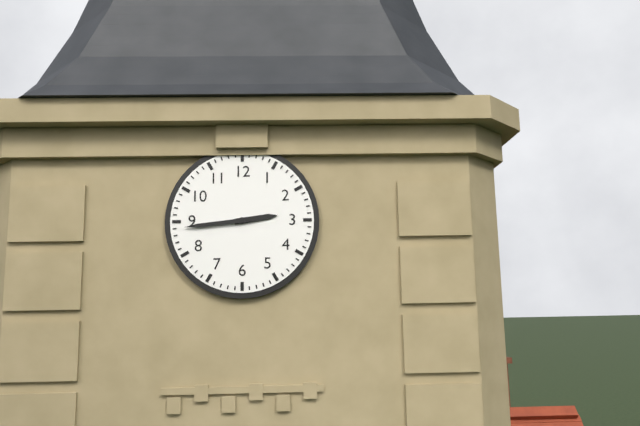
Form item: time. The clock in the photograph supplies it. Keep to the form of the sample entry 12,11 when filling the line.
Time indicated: 2,44
